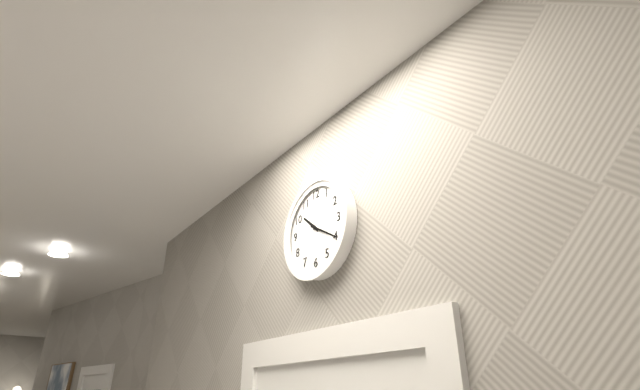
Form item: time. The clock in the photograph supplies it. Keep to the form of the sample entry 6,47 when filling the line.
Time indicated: 10,20
